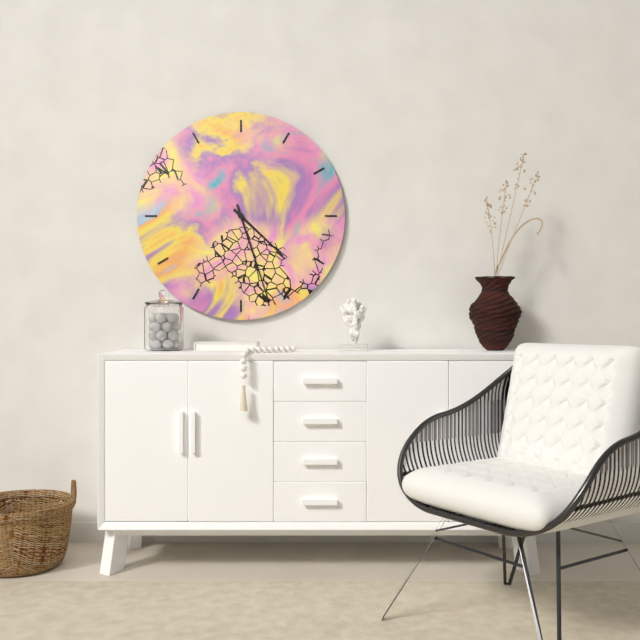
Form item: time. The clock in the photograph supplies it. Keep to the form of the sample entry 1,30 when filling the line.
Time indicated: 4,27
